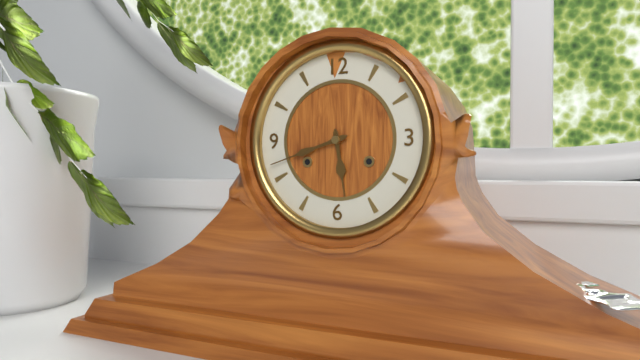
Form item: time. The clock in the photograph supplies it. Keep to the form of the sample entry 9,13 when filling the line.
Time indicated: 5,42
